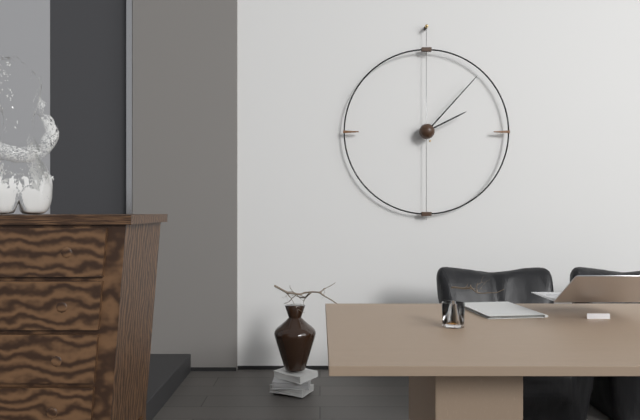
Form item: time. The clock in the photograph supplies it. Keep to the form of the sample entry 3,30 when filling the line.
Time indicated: 2,07
